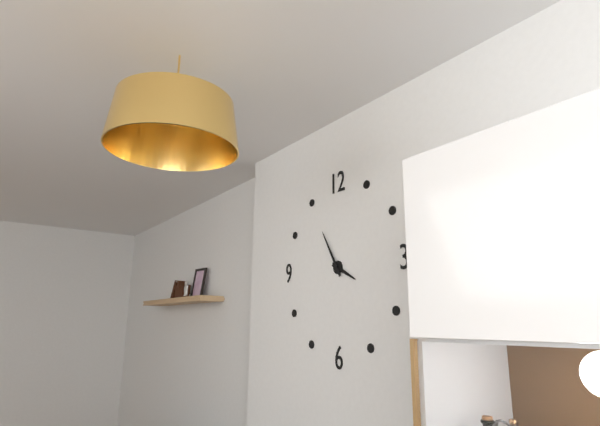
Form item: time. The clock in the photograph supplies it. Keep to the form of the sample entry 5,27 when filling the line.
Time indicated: 3,55
